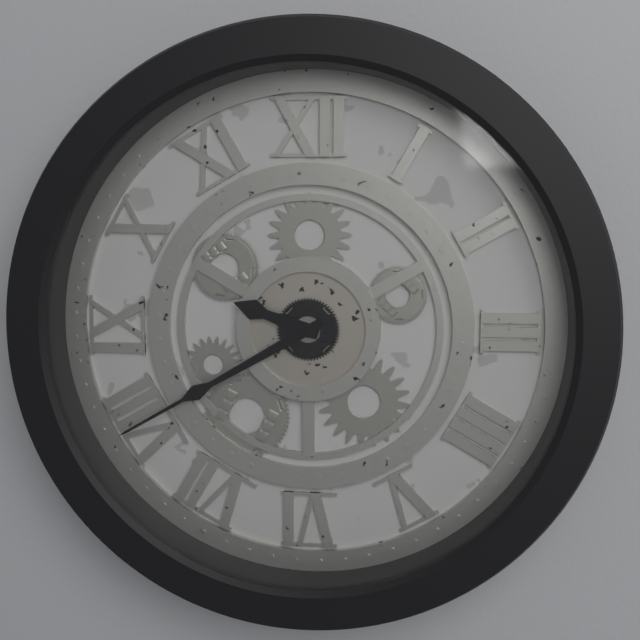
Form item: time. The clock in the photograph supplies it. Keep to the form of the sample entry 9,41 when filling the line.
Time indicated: 9,40
